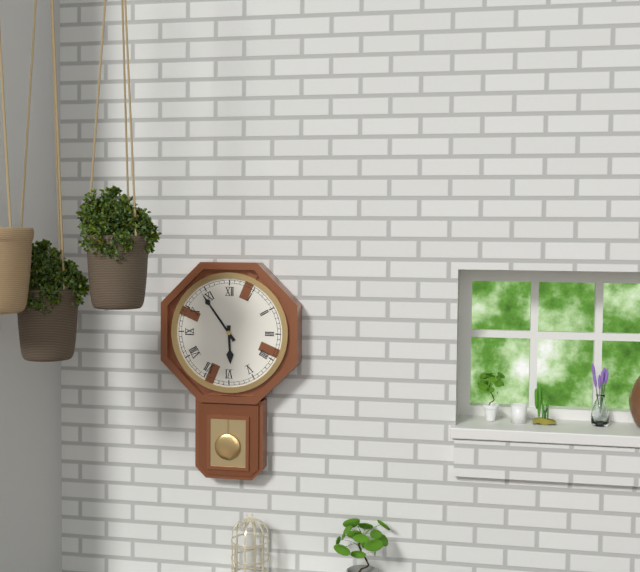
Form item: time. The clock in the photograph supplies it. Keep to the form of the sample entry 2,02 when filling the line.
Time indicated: 5,54
